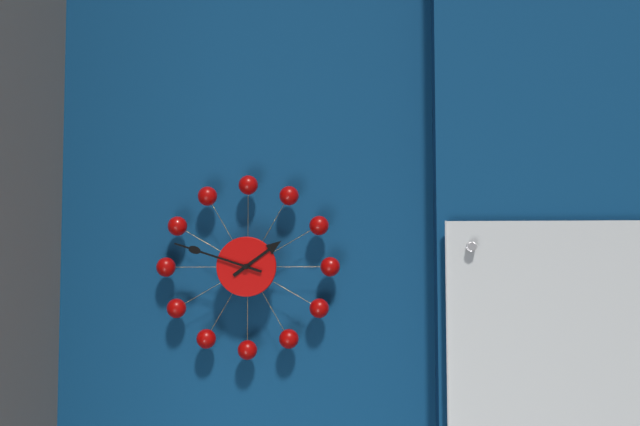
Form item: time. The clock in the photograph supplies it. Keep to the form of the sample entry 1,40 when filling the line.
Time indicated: 1,48
